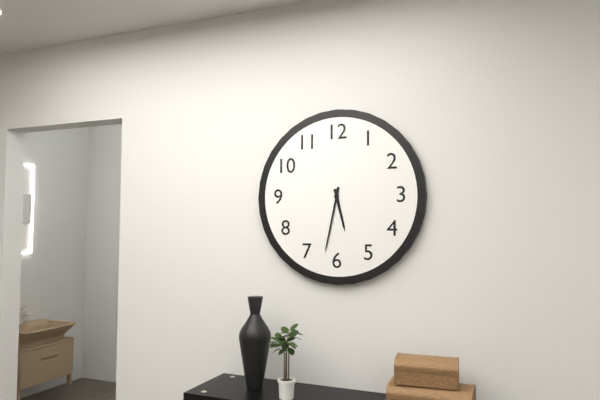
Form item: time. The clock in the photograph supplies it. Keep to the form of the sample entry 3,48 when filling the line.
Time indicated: 5,32
